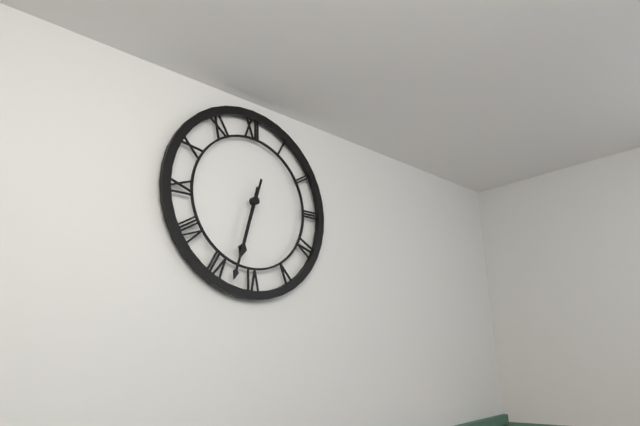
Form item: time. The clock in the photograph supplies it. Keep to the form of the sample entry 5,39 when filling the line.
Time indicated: 6,33
